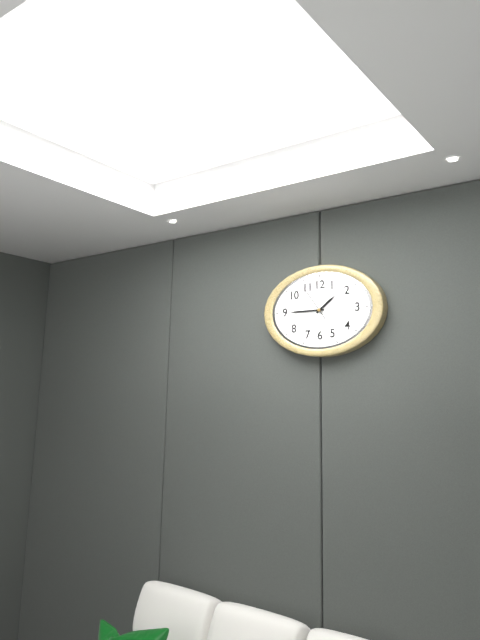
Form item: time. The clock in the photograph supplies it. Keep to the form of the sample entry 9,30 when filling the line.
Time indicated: 1,45
